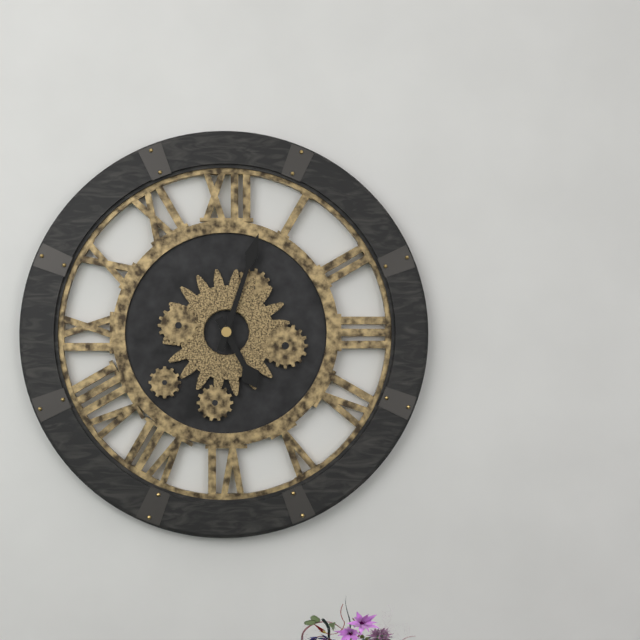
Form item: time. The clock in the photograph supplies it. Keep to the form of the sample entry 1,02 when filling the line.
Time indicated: 5,03
